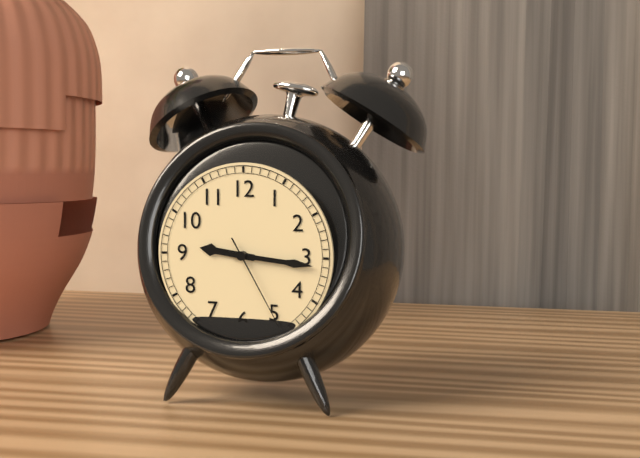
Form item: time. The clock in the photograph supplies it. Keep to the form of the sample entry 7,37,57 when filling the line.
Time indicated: 9,16,25
